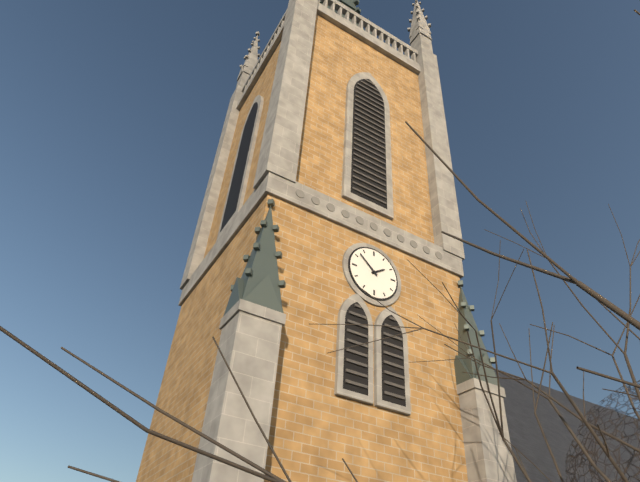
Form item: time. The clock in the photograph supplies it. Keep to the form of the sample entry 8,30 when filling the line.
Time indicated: 1,52
